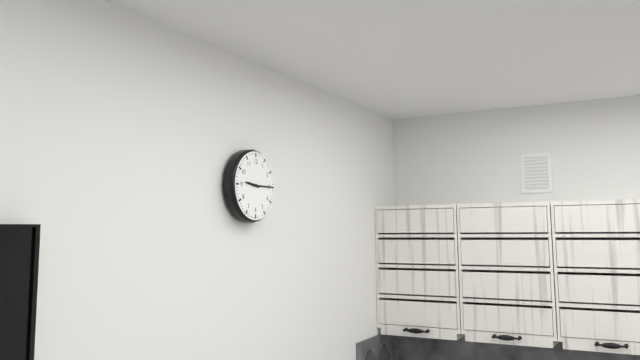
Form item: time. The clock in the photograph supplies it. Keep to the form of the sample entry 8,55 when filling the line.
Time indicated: 9,15
